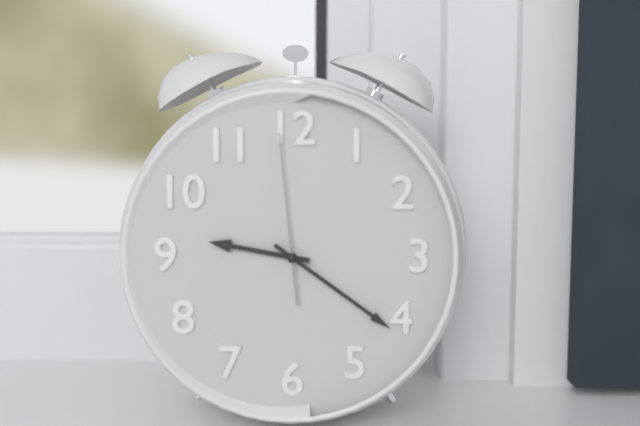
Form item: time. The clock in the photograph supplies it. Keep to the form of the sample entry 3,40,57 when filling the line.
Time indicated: 9,21,59
